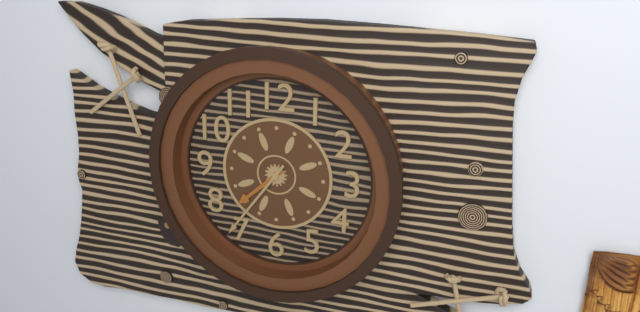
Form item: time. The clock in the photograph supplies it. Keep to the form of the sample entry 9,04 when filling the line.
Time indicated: 7,36
